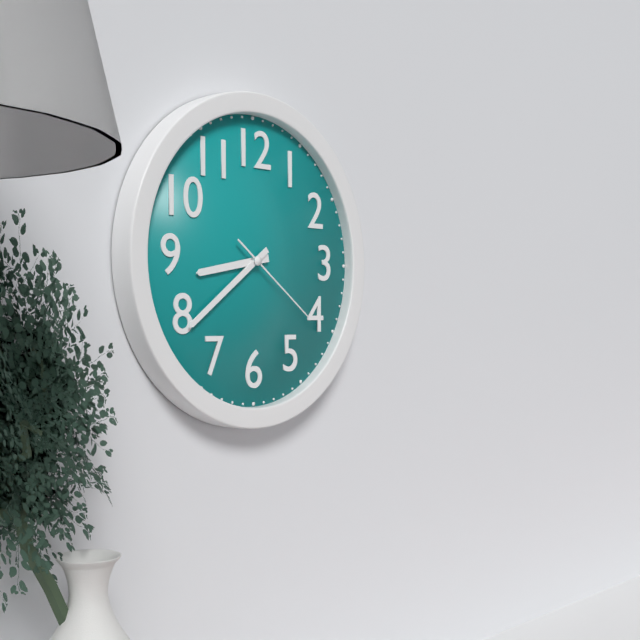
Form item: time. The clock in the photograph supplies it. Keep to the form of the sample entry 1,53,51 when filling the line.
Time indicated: 8,39,21
